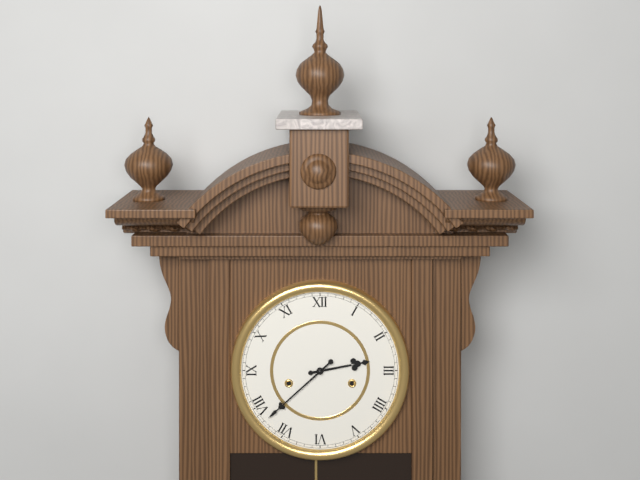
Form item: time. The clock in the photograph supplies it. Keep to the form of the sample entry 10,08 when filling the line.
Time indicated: 2,38
